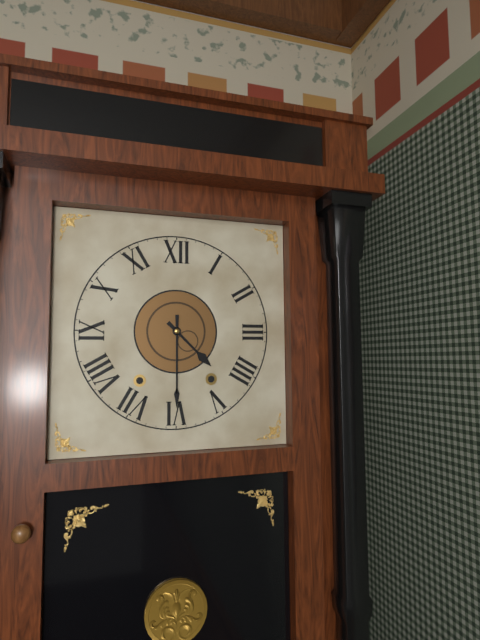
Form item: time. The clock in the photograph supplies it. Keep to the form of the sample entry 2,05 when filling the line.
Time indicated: 4,30
